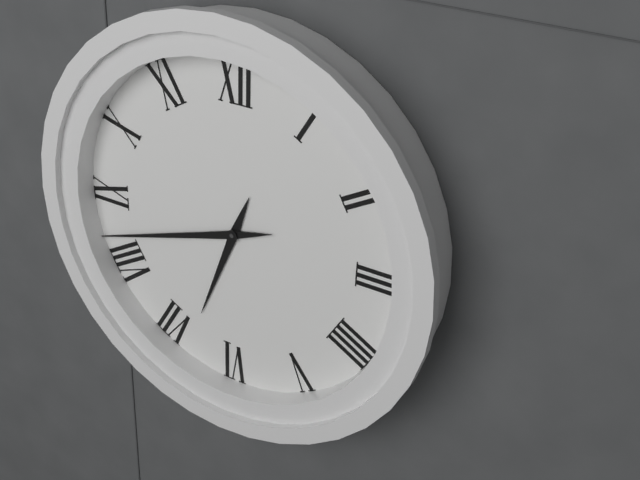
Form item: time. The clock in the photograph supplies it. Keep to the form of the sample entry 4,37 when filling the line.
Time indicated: 6,42
